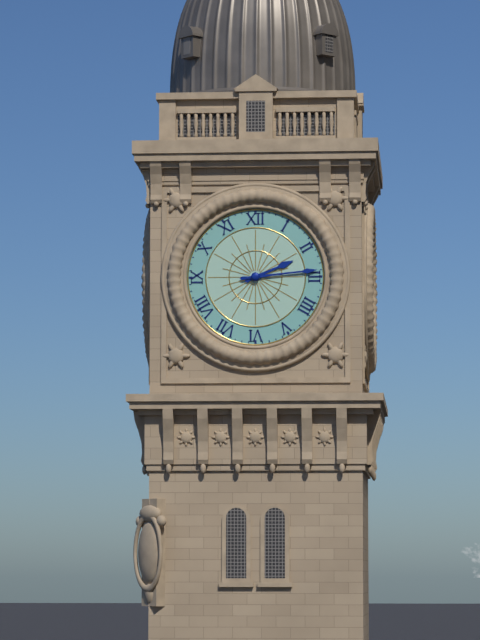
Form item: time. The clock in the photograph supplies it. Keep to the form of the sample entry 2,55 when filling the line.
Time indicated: 2,14
